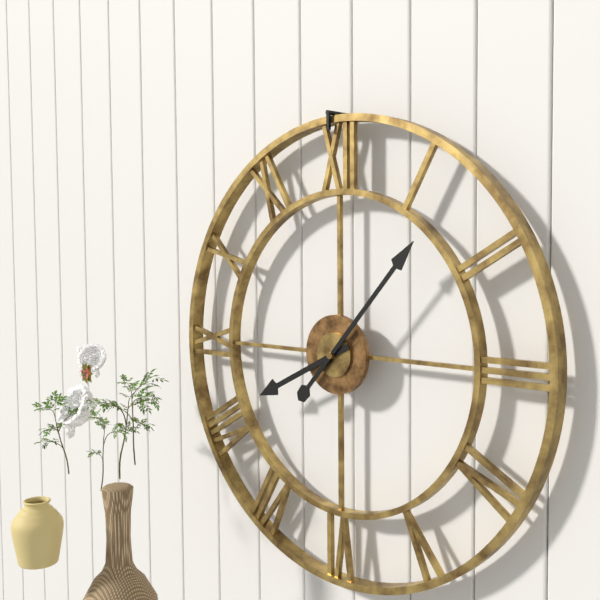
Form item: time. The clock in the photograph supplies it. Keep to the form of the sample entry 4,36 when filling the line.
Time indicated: 8,07
